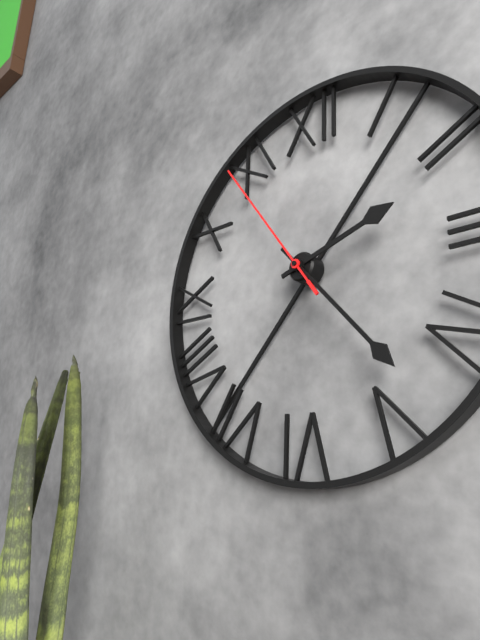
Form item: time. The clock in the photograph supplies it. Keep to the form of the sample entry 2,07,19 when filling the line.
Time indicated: 2,23,54
